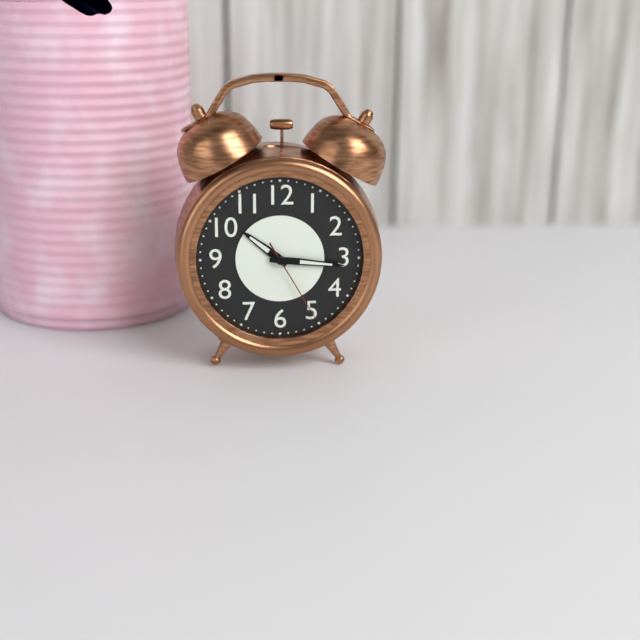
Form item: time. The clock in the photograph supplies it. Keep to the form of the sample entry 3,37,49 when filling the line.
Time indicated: 10,16,25
